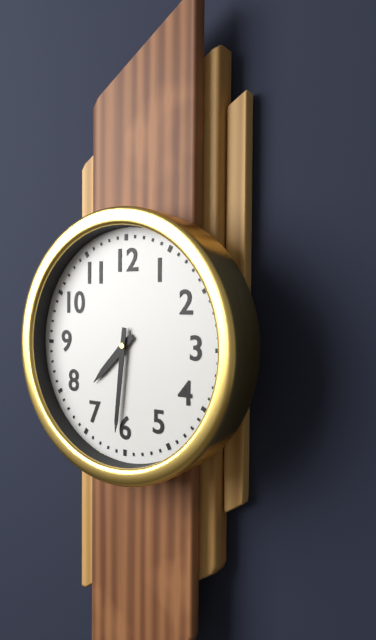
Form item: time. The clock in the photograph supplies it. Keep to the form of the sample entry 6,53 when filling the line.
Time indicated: 7,31
